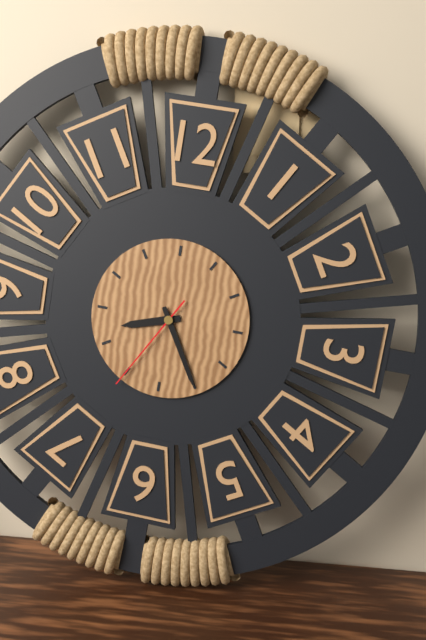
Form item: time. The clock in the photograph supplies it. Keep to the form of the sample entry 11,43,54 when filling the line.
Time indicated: 8,25,35
